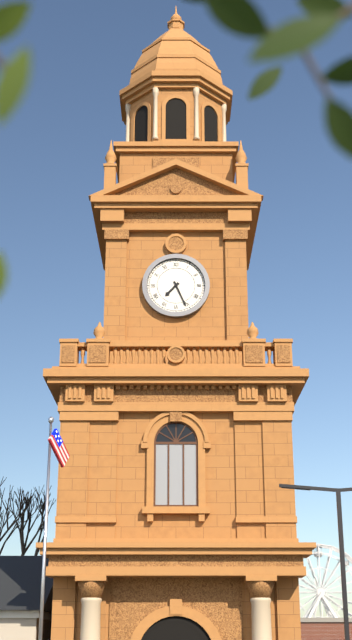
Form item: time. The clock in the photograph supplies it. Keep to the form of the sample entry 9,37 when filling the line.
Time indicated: 7,26
